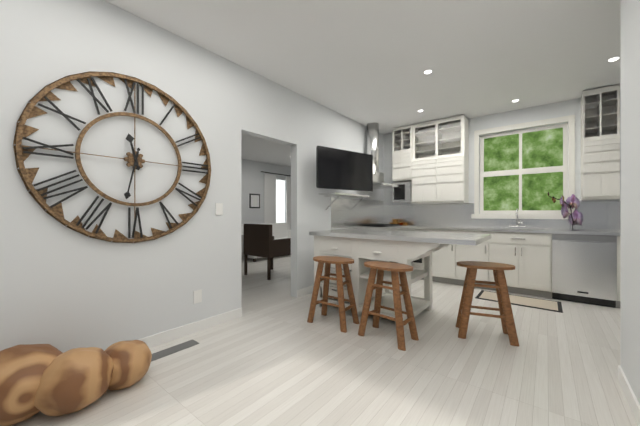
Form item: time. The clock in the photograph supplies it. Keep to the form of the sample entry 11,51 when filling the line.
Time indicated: 11,32
